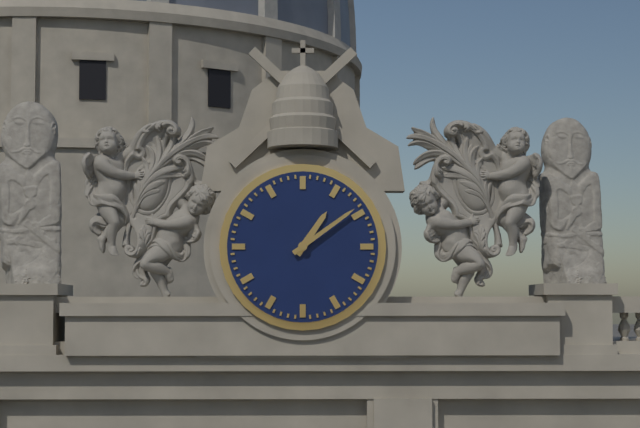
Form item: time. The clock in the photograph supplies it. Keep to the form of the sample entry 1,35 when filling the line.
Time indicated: 1,09
